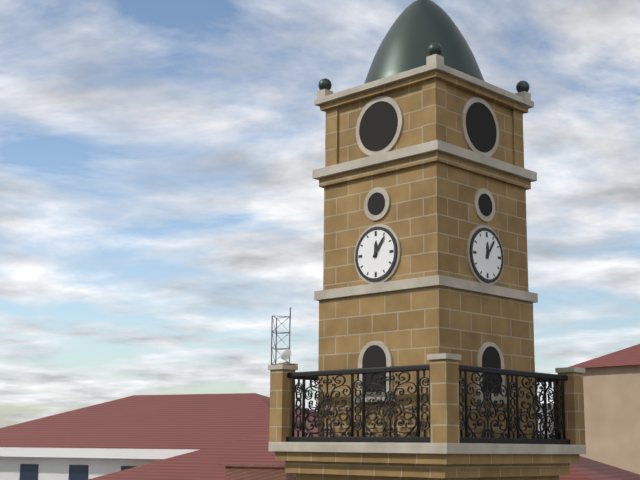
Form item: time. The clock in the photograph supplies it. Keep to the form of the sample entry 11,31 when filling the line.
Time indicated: 12,06
